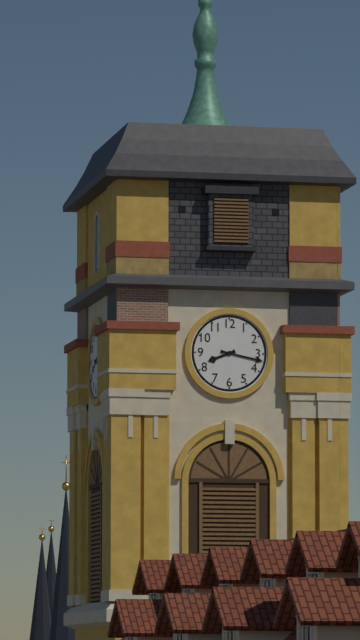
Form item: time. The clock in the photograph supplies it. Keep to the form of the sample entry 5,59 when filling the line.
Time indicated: 8,17
